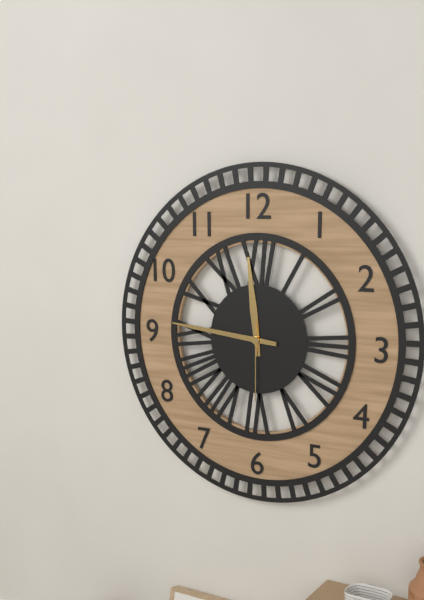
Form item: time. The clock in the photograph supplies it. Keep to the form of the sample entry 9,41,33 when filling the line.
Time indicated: 11,46,30
